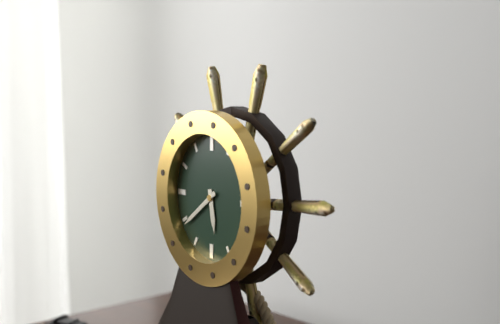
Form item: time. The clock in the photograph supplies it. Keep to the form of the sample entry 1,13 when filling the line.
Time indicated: 5,39
